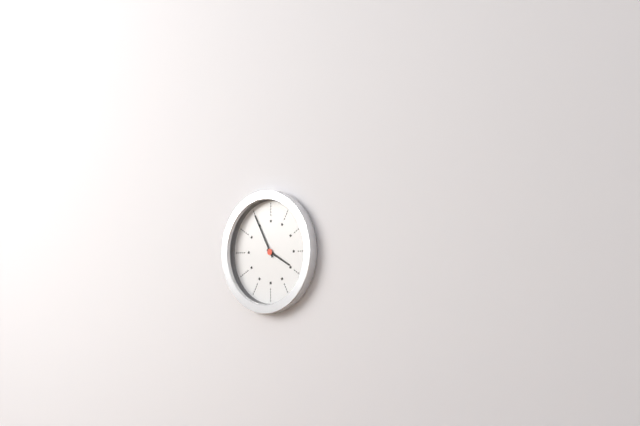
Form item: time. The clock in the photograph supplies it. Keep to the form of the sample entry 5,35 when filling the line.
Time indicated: 3,55
